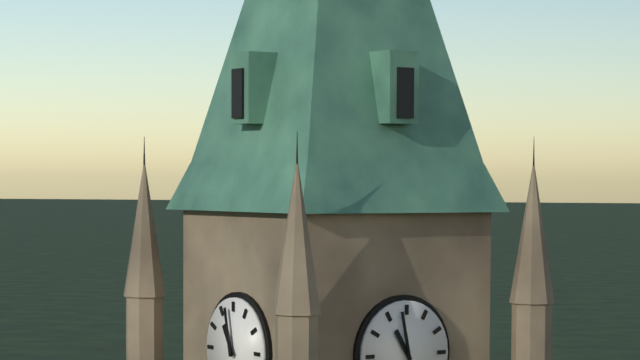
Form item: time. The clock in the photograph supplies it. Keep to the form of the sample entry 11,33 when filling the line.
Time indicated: 10,58
